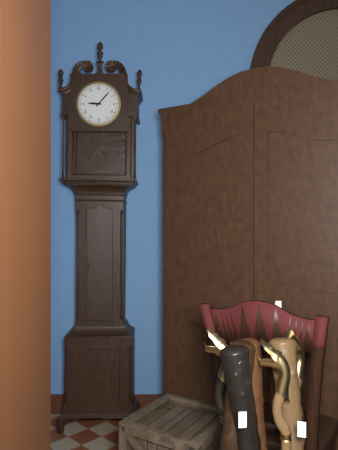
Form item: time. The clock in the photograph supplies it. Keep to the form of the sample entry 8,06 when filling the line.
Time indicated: 9,07
